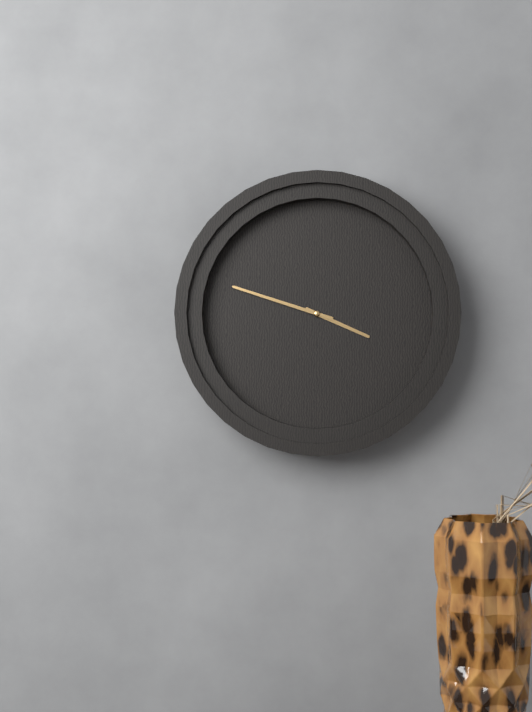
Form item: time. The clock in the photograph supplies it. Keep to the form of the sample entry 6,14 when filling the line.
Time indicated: 3,48
